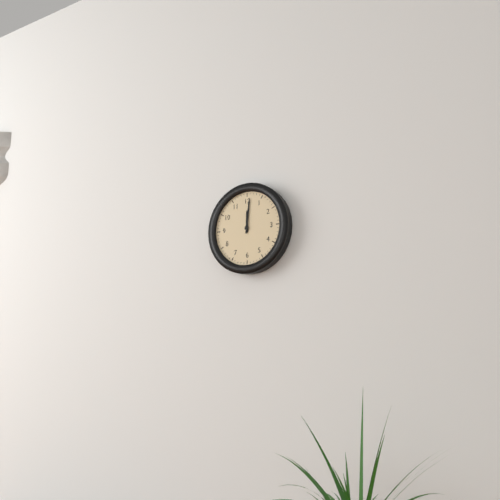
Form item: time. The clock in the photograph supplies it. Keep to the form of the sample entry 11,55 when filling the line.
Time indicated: 12,01
